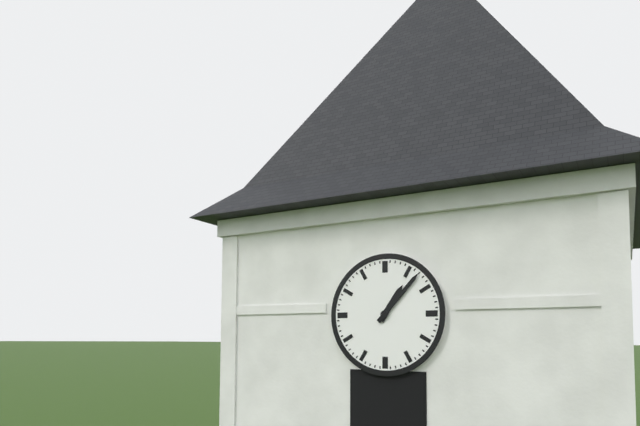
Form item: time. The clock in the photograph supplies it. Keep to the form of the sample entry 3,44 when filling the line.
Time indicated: 1,07
